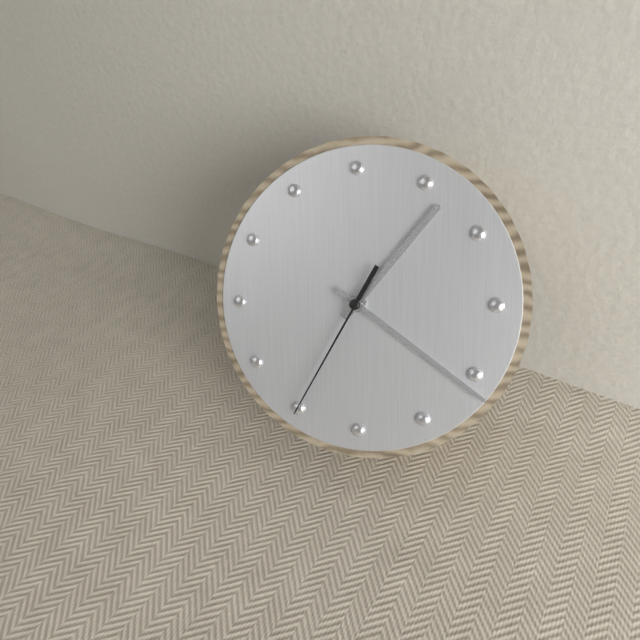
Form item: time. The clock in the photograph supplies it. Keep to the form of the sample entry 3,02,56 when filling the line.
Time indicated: 1,21,35
